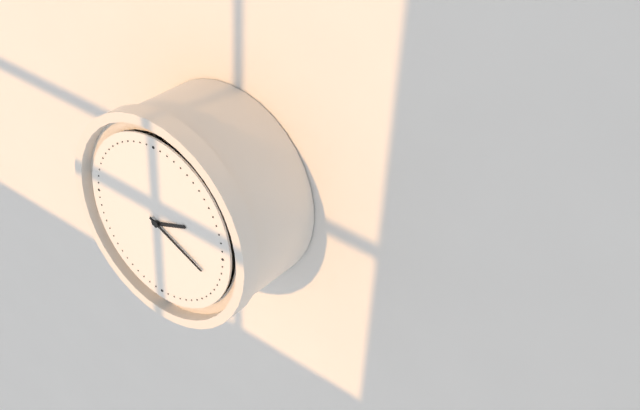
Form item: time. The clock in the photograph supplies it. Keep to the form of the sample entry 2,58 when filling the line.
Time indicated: 2,19
